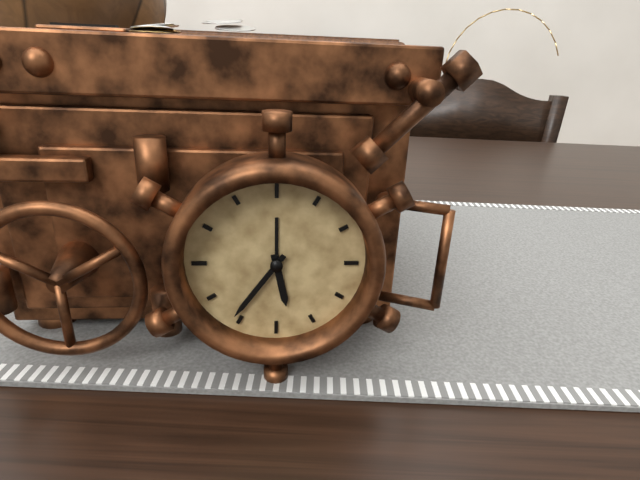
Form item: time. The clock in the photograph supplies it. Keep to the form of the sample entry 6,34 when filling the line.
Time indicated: 5,36
